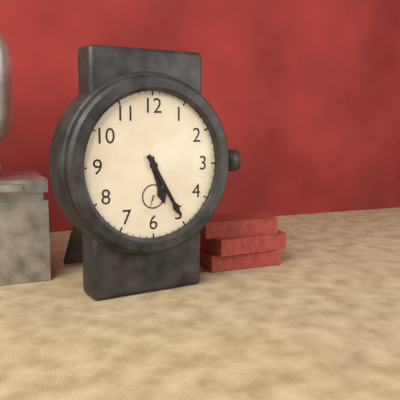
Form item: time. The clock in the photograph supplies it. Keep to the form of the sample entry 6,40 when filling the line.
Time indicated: 5,25
